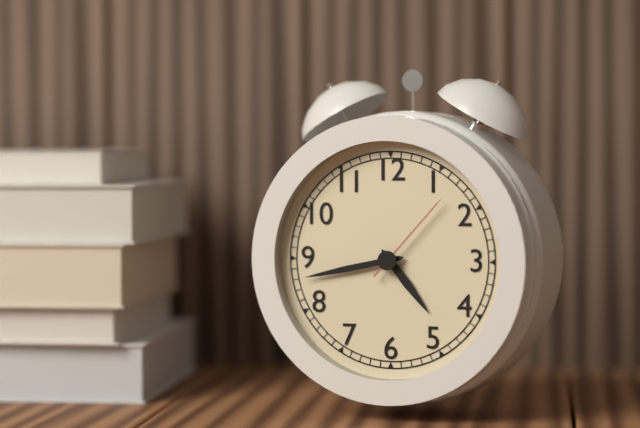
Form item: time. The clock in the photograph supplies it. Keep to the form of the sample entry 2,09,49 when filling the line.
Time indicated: 4,43,07
